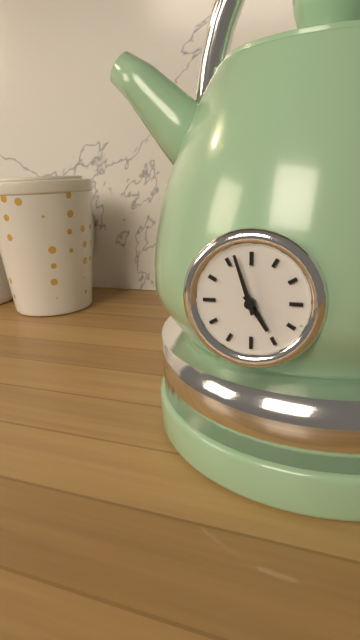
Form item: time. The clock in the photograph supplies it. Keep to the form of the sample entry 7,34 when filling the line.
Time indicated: 4,57
